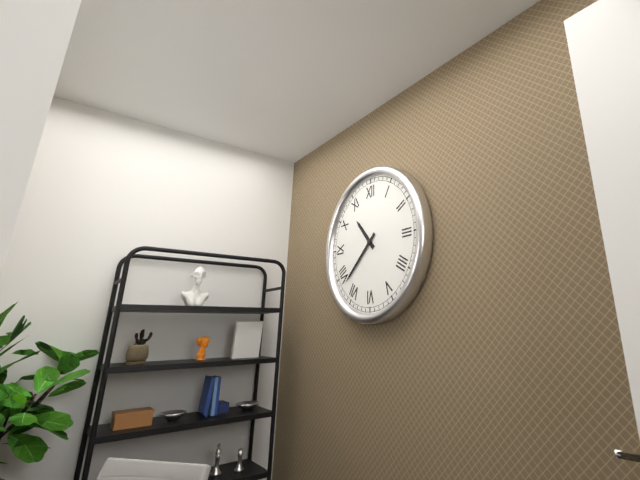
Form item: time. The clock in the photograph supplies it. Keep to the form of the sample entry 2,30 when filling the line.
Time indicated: 10,38
